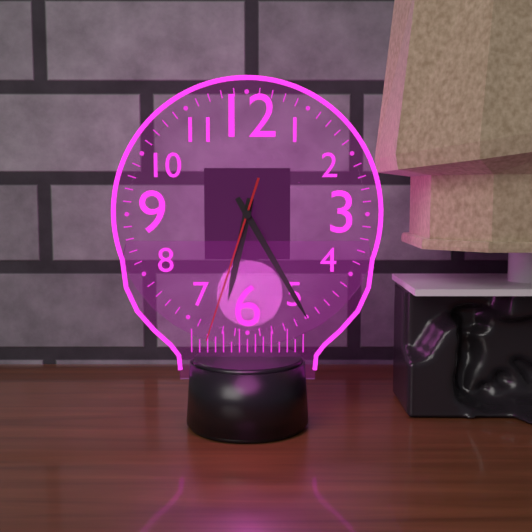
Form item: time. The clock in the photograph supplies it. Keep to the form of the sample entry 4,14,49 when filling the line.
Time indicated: 6,25,33
